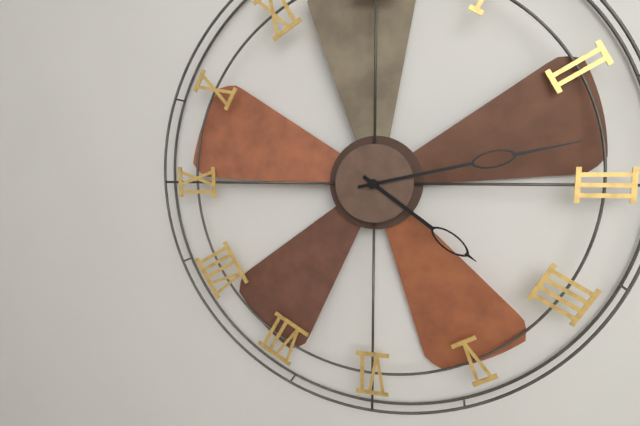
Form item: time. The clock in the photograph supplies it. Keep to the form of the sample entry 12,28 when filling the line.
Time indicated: 4,13
